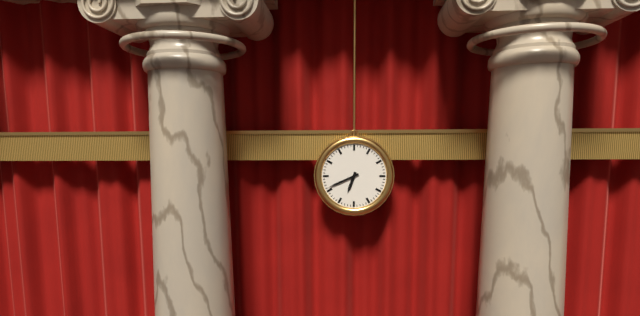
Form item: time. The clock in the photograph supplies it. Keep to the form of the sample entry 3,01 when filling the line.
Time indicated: 6,41
